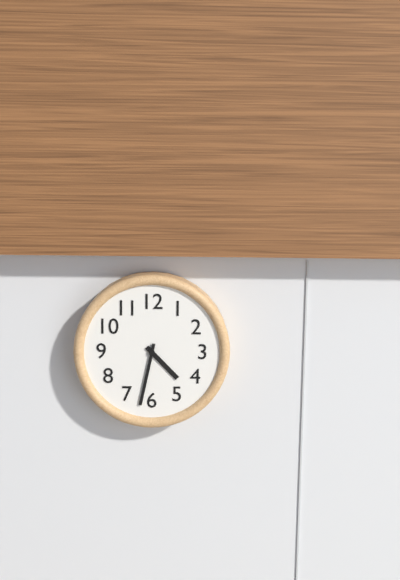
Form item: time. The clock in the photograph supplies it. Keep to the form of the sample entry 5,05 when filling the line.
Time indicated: 4,32
